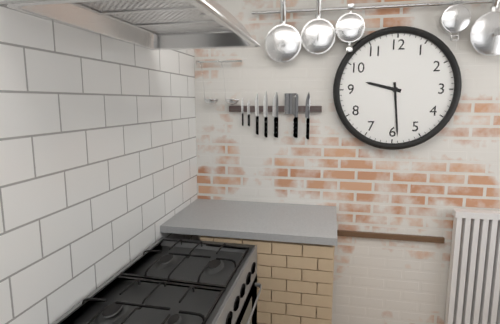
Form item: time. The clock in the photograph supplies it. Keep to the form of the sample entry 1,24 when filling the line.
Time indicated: 9,29
